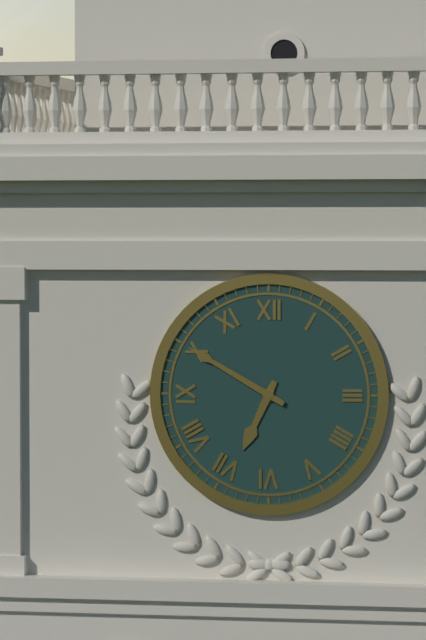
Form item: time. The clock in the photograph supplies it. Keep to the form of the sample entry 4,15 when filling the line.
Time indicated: 6,50
